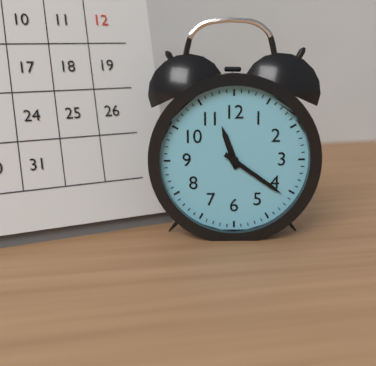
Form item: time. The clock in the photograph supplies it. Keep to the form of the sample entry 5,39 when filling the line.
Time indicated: 11,21
